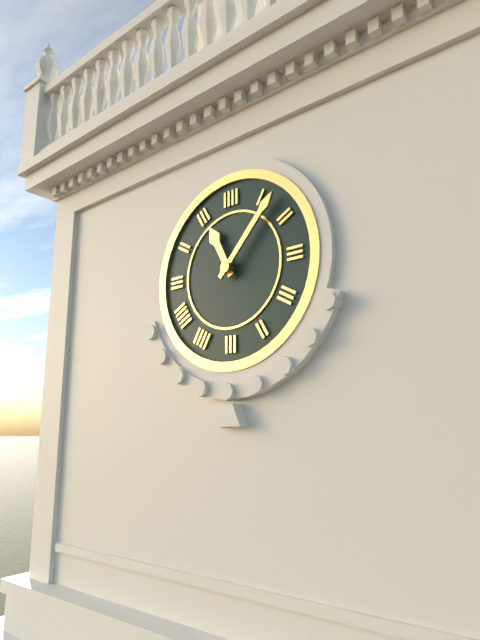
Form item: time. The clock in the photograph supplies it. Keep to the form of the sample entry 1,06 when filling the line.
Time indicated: 11,07
